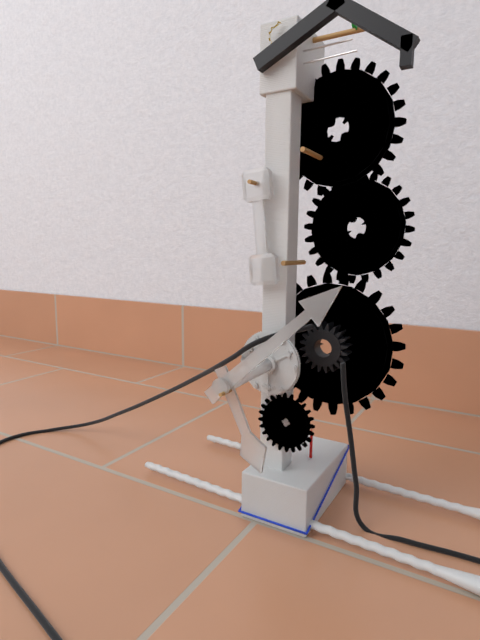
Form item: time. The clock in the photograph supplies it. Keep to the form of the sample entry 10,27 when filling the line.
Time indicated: 5,08
